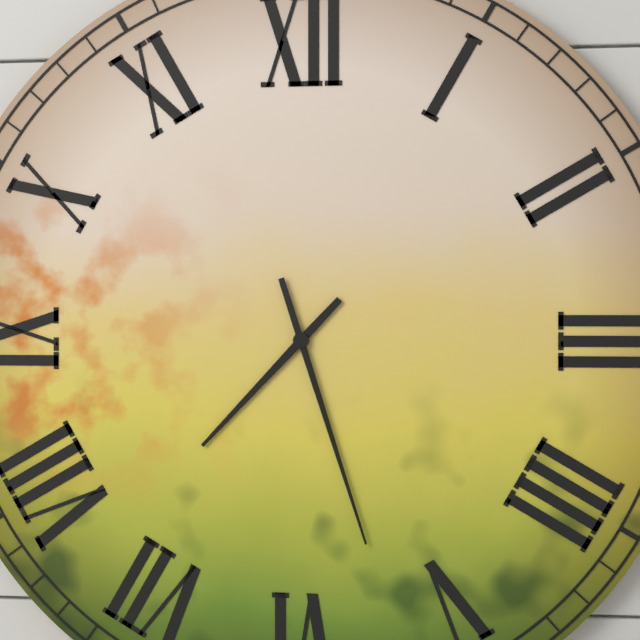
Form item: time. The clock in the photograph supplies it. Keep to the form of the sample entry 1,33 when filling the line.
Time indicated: 7,27
